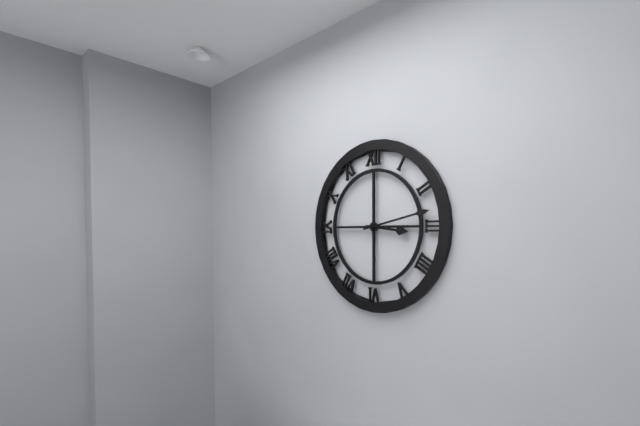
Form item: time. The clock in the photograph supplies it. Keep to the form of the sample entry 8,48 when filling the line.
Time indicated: 3,13
